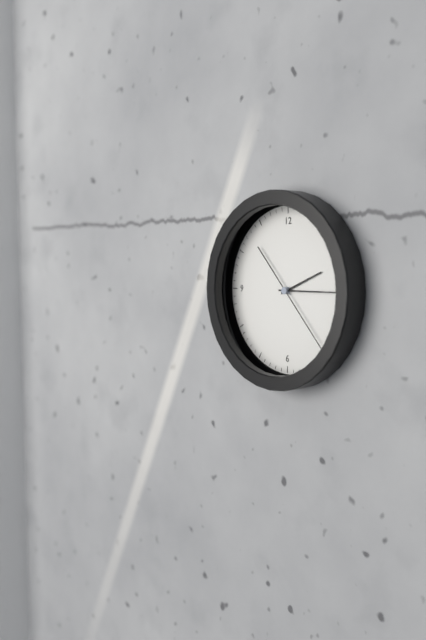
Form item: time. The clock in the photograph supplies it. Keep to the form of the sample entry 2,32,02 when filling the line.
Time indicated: 2,15,23
